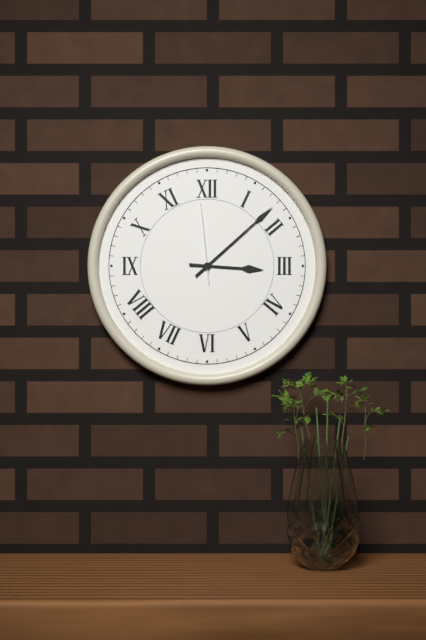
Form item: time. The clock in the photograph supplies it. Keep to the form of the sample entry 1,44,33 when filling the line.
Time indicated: 3,08,59
